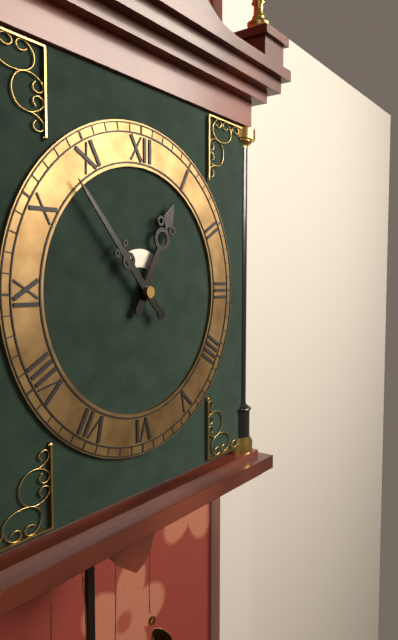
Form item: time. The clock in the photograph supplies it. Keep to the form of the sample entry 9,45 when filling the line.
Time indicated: 12,53
